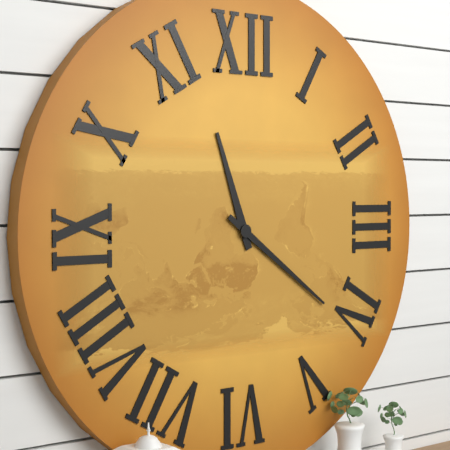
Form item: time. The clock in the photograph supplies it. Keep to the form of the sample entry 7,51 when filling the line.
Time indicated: 11,21
